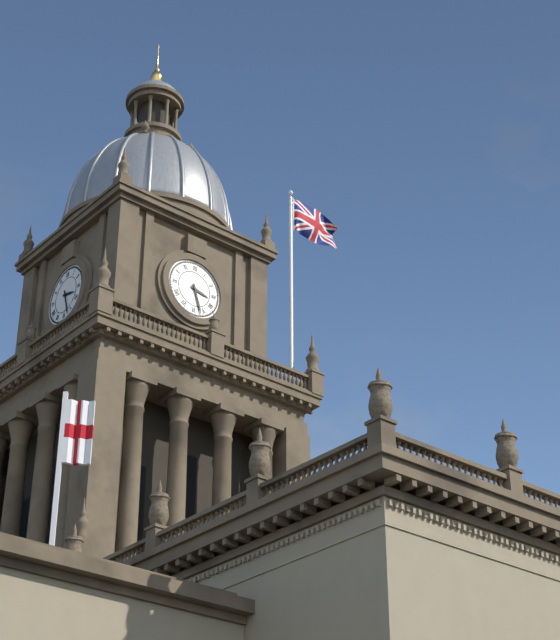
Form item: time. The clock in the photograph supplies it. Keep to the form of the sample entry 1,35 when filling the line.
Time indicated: 3,27
